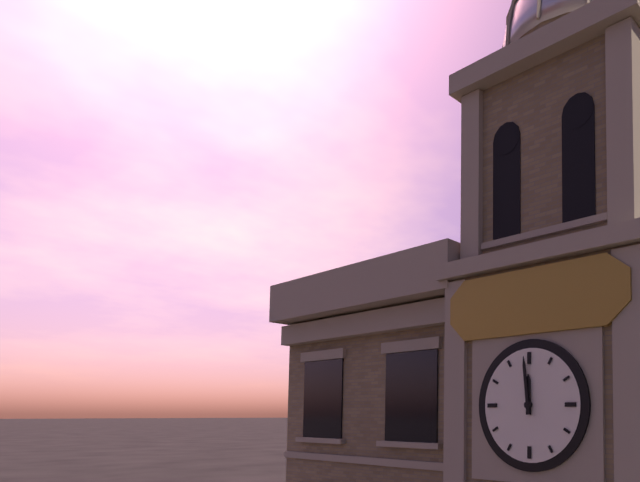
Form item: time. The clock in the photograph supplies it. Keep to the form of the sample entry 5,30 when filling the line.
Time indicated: 11,59
